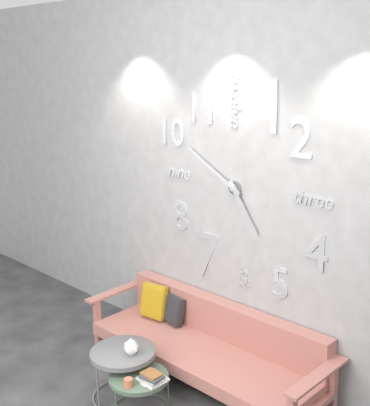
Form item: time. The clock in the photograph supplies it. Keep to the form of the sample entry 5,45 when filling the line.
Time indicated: 4,50
